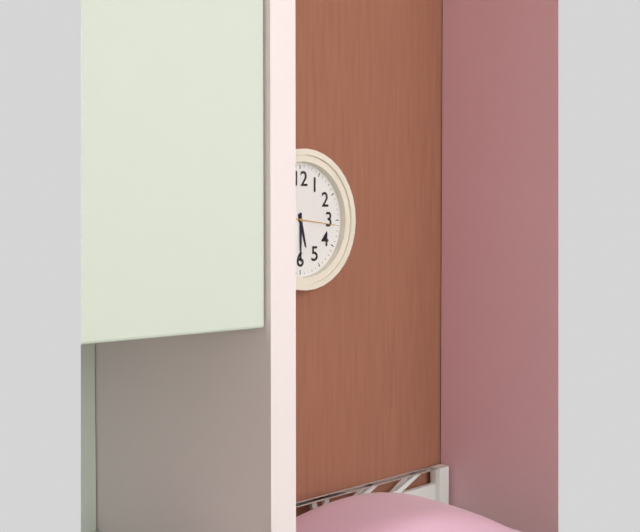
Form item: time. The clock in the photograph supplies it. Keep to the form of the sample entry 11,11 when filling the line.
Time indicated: 5,30
